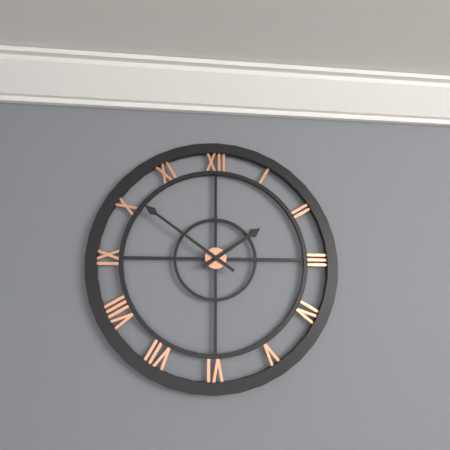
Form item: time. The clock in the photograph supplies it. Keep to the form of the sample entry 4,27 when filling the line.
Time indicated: 1,51
